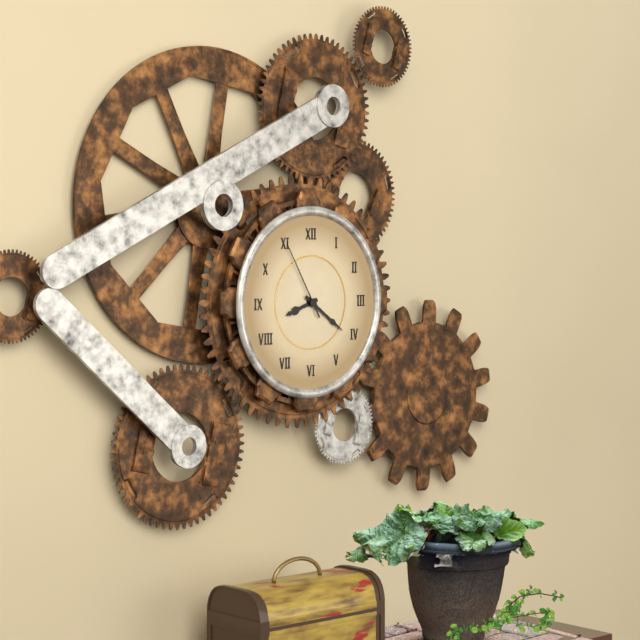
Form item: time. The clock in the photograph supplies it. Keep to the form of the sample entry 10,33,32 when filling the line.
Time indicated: 8,21,55
